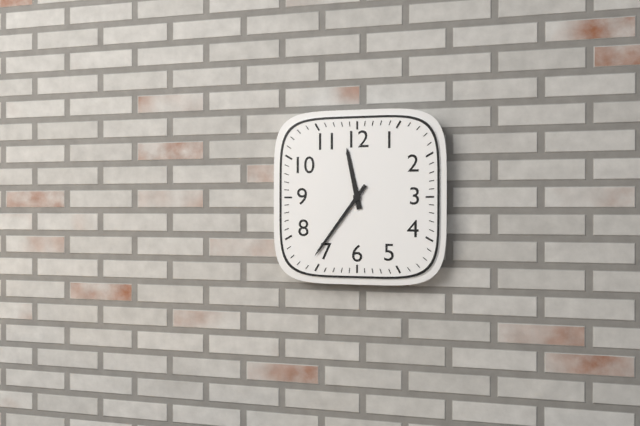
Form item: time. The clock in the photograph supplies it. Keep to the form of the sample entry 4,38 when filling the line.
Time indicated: 11,36
